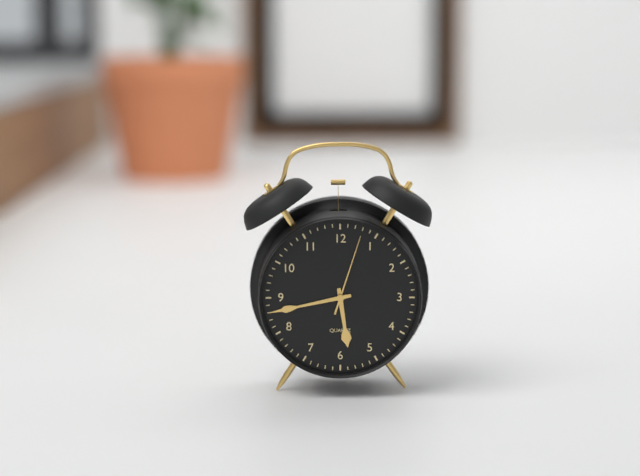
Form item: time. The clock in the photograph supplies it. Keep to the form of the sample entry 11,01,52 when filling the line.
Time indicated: 5,43,03
